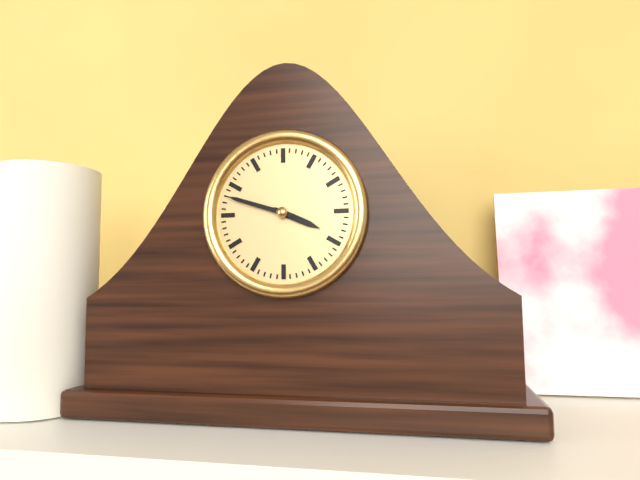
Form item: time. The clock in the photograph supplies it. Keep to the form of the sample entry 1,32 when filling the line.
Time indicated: 3,48
